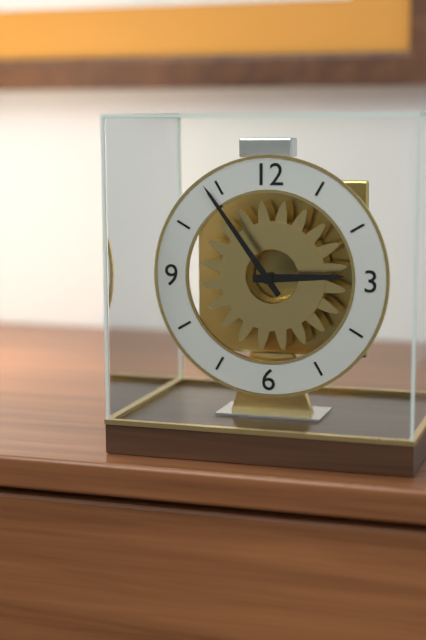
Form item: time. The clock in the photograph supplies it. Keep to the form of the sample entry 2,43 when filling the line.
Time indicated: 2,54
